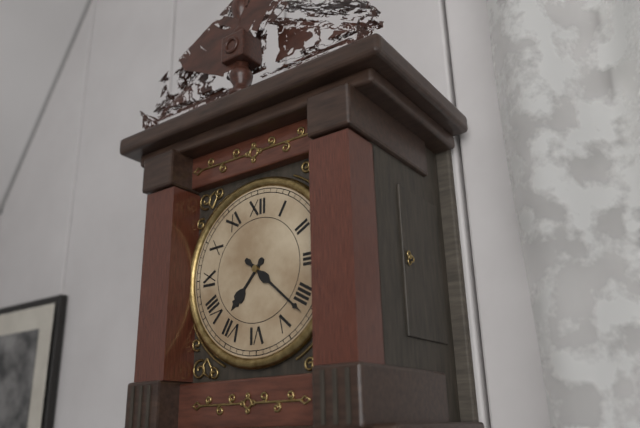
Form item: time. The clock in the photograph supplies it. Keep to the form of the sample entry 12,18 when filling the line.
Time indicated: 7,22
